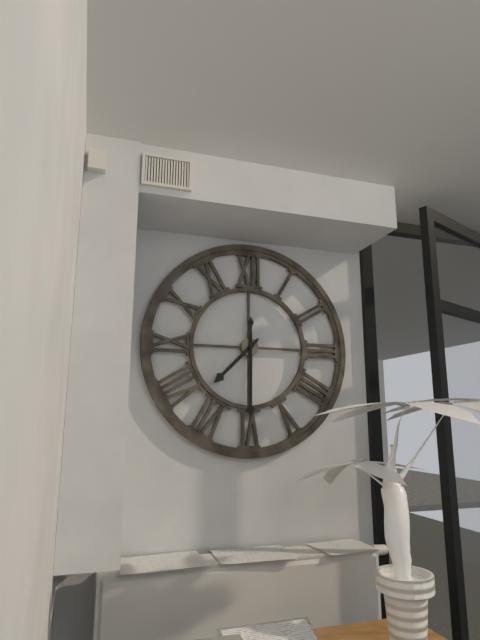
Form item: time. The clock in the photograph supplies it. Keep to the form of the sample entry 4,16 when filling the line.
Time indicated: 7,30
